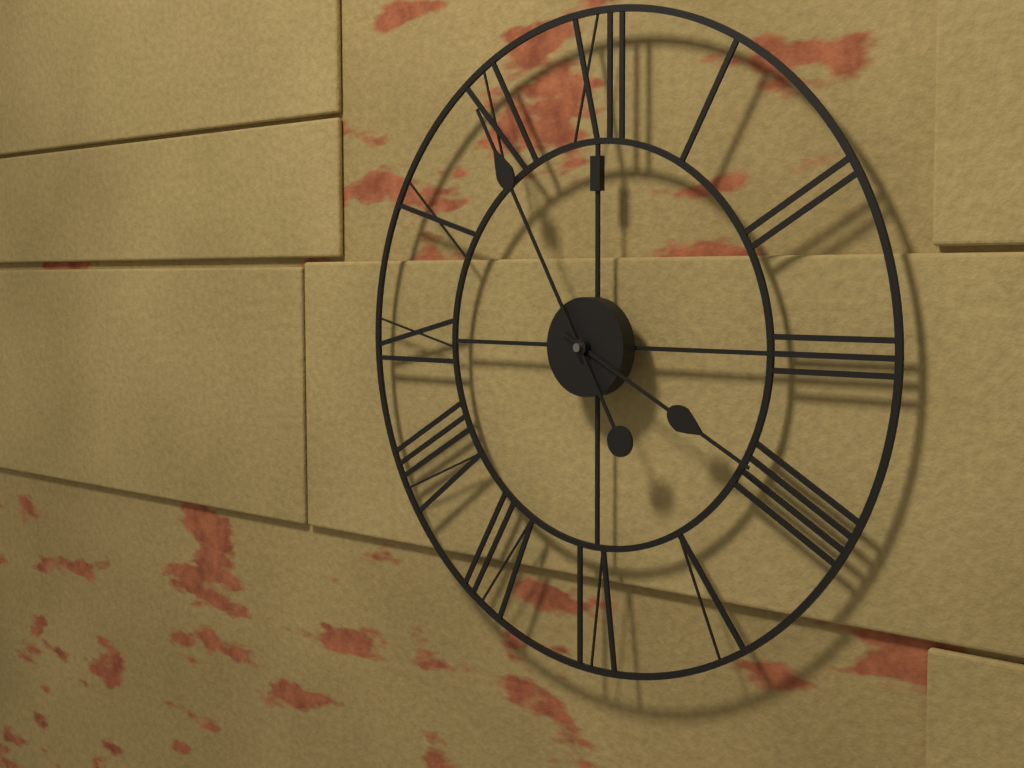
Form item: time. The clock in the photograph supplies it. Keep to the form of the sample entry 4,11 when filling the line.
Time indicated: 3,55
